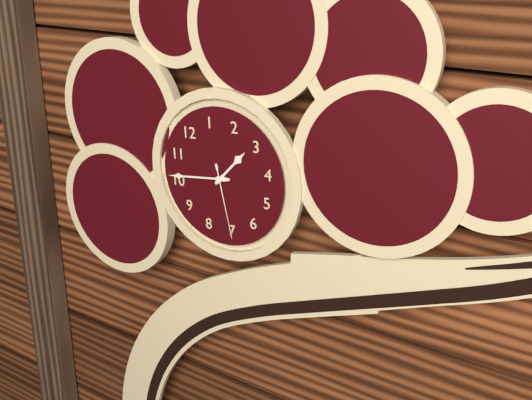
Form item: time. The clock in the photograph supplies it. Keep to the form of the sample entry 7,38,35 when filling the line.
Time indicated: 2,51,35
